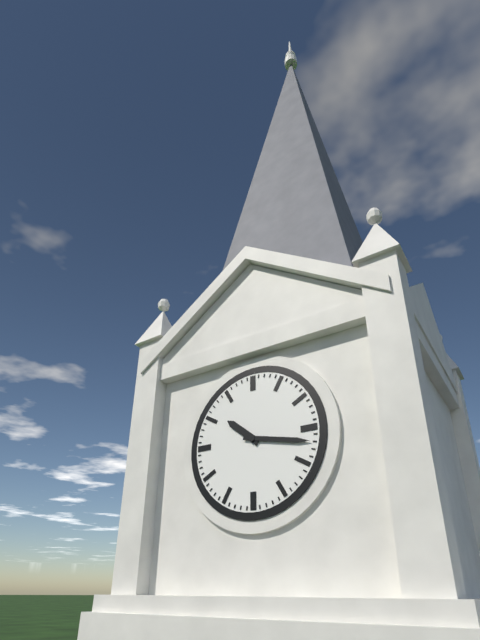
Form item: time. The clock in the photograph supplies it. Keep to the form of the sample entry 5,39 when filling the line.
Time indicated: 10,17
